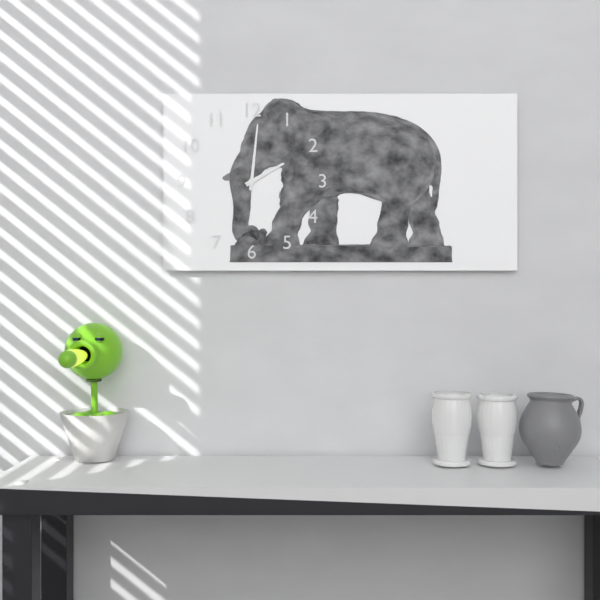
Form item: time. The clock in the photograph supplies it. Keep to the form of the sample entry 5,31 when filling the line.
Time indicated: 2,01
